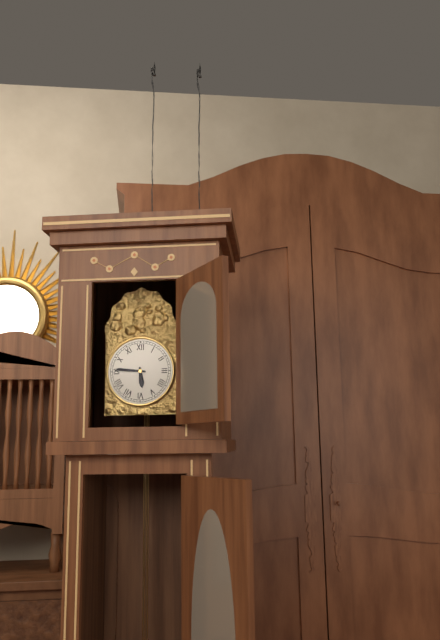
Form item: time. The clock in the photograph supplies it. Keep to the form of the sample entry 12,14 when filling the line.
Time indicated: 5,46
